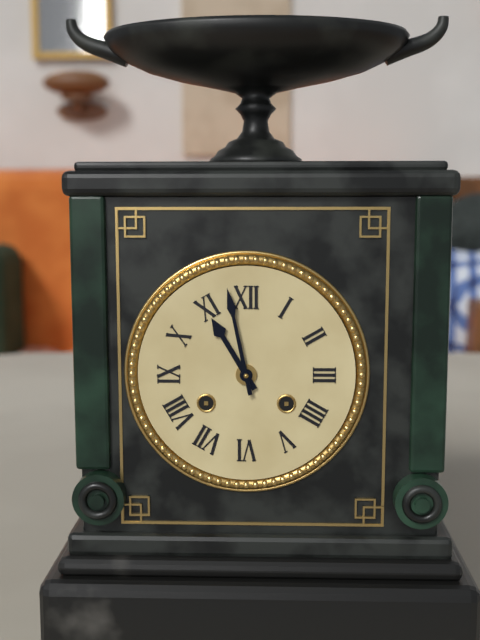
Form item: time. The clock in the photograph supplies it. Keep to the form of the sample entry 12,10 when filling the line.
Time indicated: 10,58
